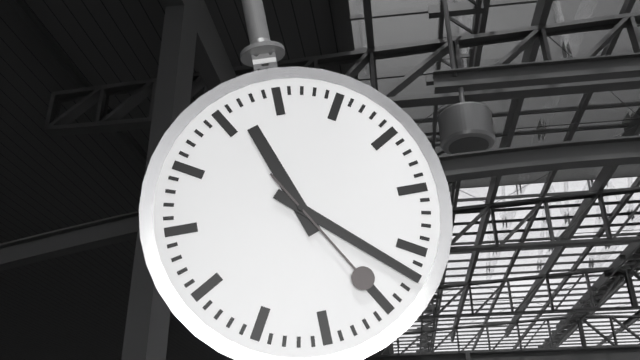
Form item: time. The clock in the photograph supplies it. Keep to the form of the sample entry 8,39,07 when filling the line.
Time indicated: 11,22,25
